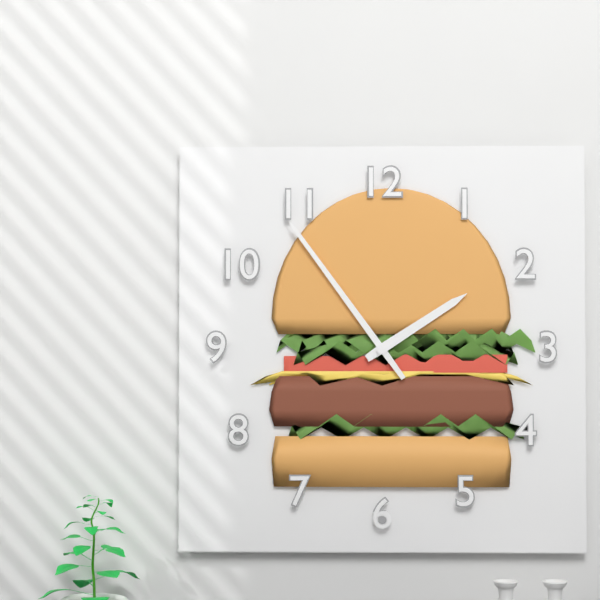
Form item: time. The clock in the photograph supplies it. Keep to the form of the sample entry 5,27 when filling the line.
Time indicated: 1,54
